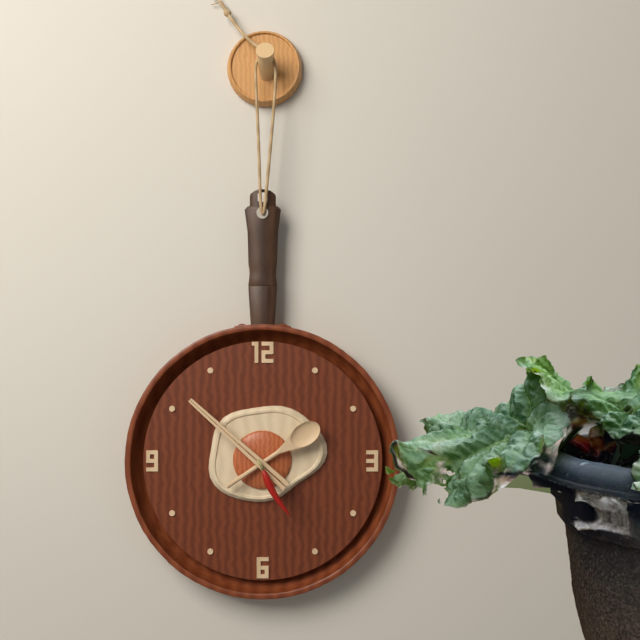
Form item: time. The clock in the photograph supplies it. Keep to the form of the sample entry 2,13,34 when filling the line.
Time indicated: 1,52,25
